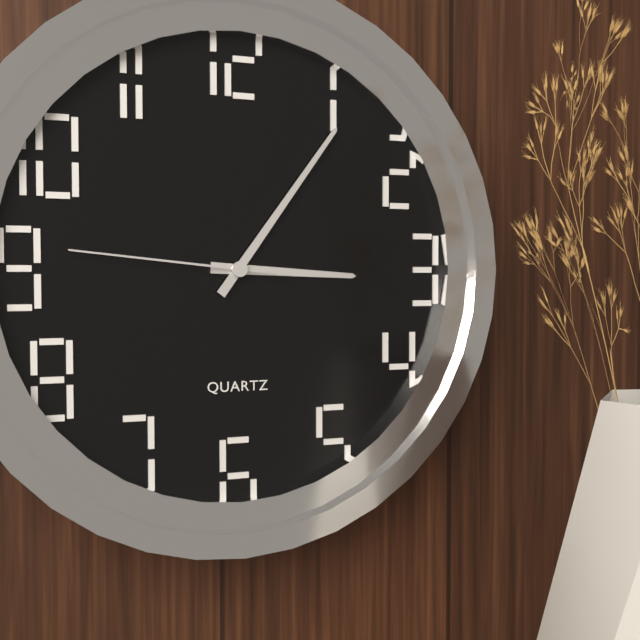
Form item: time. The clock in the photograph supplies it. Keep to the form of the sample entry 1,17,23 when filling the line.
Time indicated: 3,06,46
